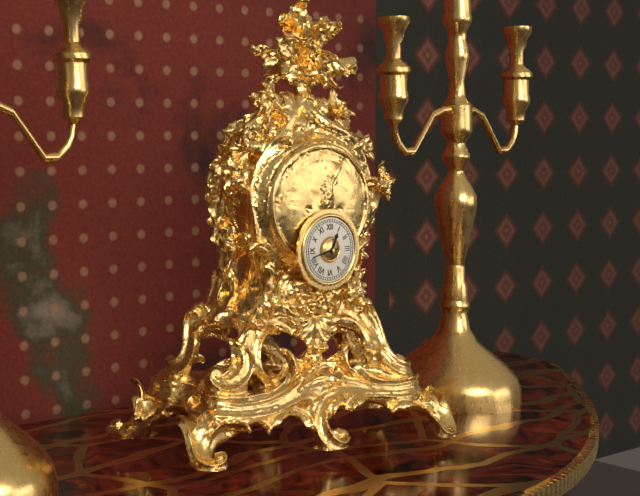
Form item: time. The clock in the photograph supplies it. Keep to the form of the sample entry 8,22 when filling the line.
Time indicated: 12,43
